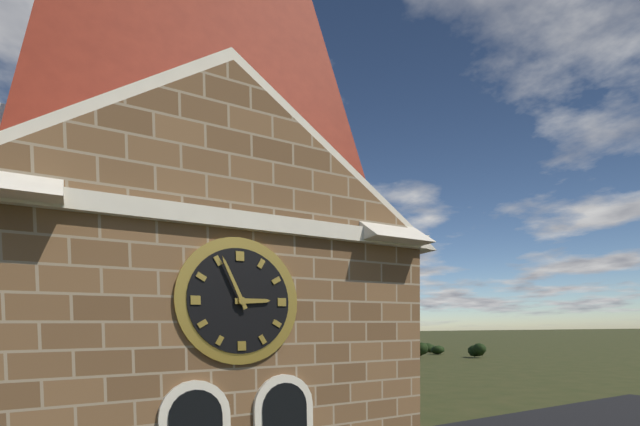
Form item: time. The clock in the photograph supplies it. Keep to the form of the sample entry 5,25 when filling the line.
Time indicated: 2,56
